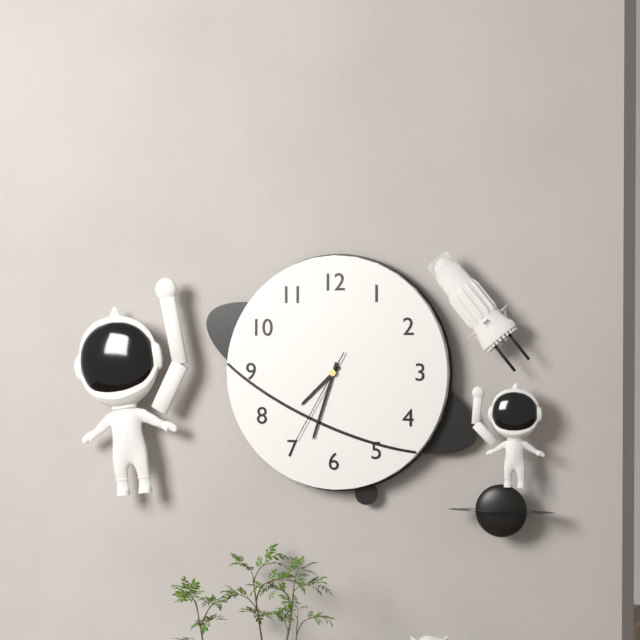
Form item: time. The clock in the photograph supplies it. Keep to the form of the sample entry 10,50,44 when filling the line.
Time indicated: 7,33,35
